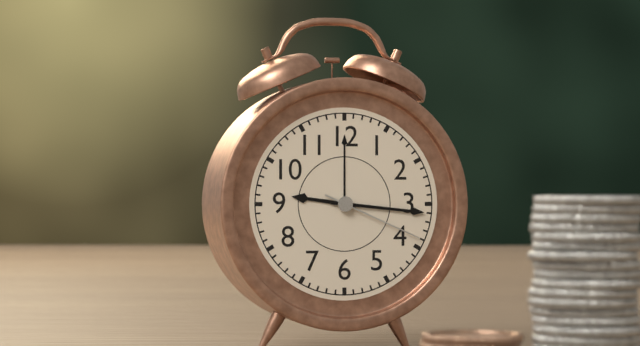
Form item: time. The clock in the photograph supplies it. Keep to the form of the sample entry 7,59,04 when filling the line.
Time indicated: 9,16,19
